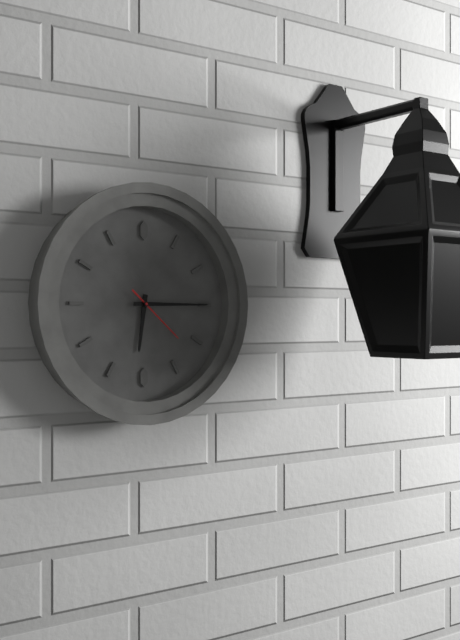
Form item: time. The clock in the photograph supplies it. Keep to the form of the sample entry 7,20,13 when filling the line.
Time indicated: 6,15,22
